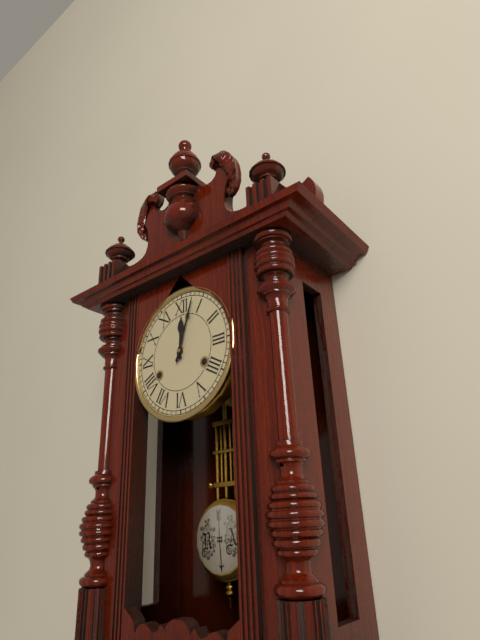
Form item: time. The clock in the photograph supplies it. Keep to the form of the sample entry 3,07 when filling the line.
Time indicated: 12,03
